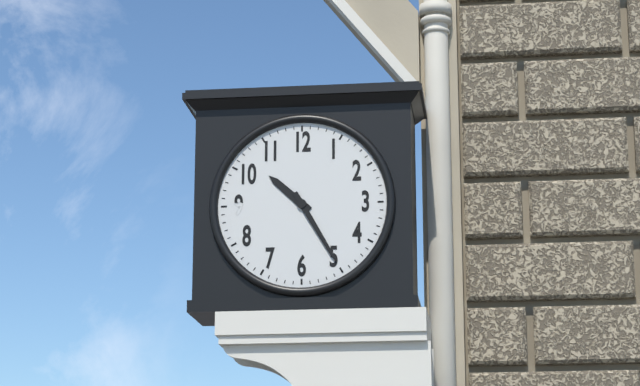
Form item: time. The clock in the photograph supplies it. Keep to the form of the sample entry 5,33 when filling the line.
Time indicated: 10,25
